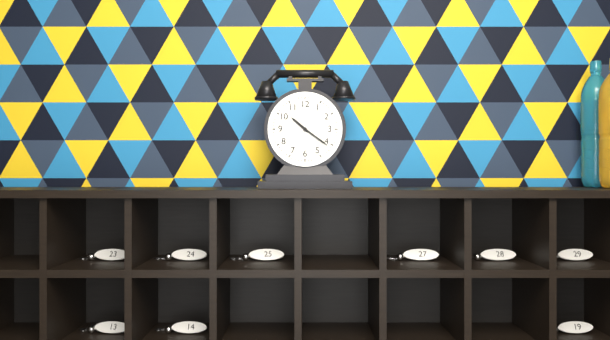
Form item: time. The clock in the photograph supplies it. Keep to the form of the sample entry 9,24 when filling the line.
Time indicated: 10,21
